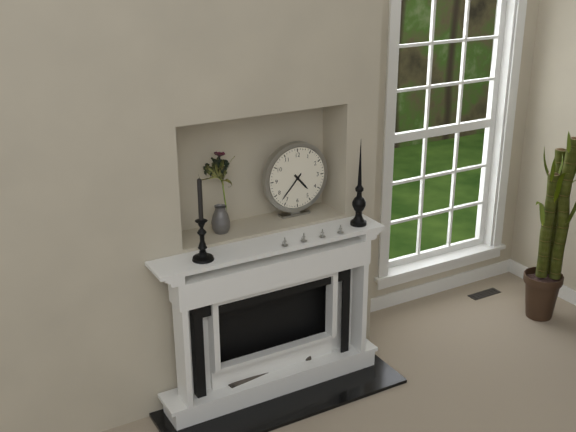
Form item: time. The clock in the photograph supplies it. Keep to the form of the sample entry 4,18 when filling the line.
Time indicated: 4,37
